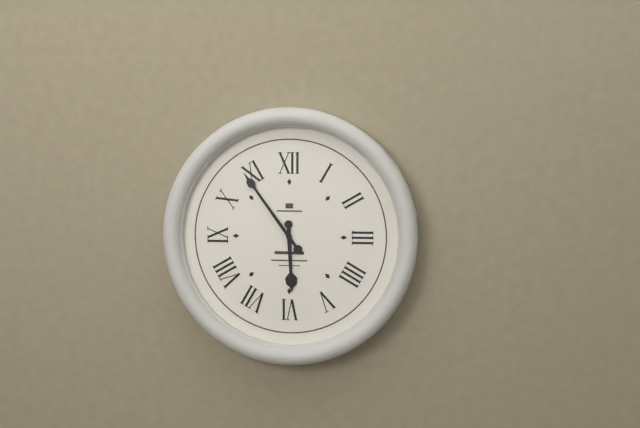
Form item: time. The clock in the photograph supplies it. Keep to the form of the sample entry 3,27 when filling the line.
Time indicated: 5,54
